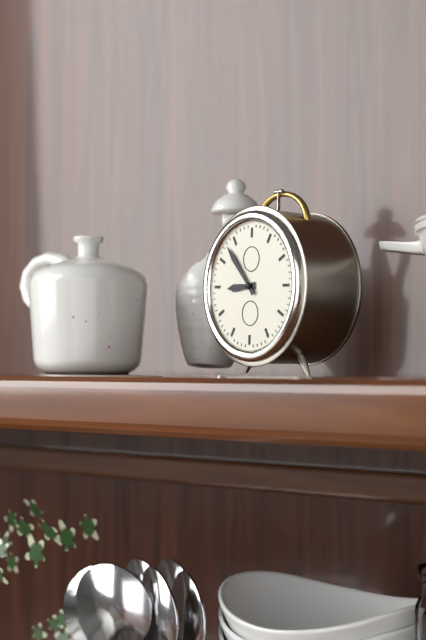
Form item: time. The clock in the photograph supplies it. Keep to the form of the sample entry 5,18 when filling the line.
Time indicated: 8,53
